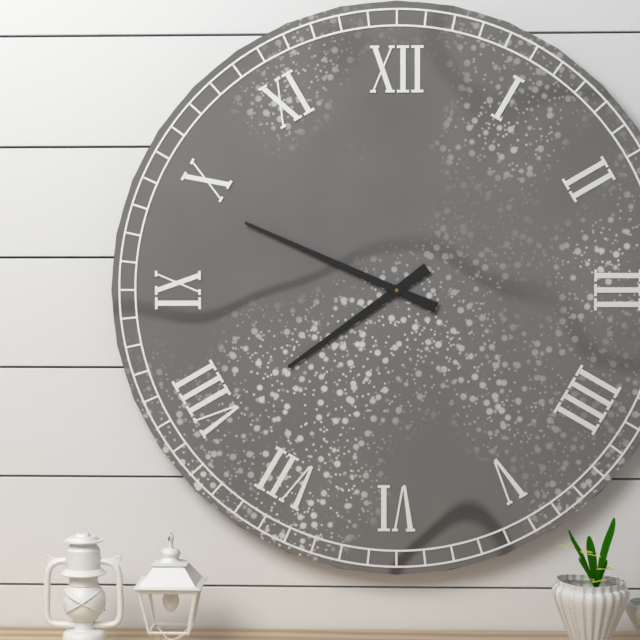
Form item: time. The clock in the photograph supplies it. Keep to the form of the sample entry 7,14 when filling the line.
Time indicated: 7,49
